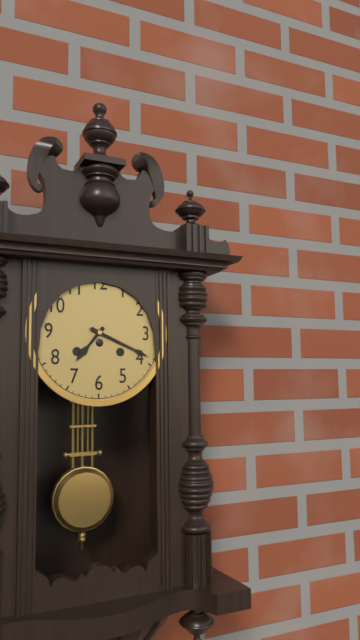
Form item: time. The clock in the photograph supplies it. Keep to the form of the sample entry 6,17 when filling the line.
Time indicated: 7,19
